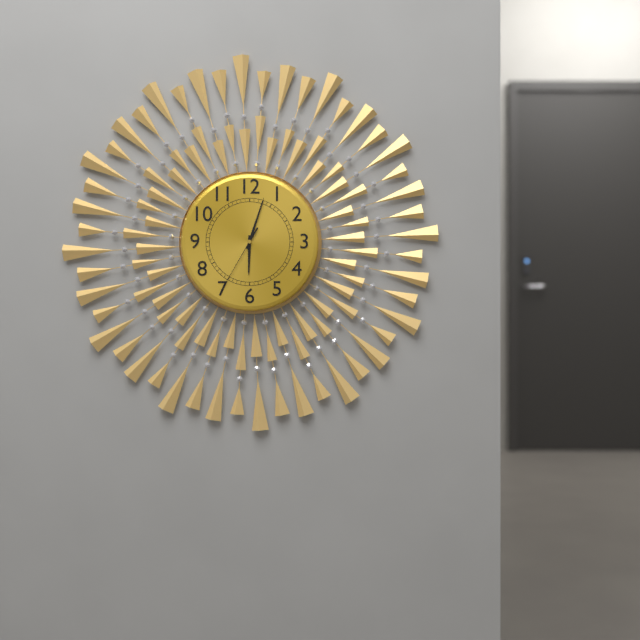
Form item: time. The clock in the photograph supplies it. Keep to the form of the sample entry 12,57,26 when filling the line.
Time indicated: 6,03,35
